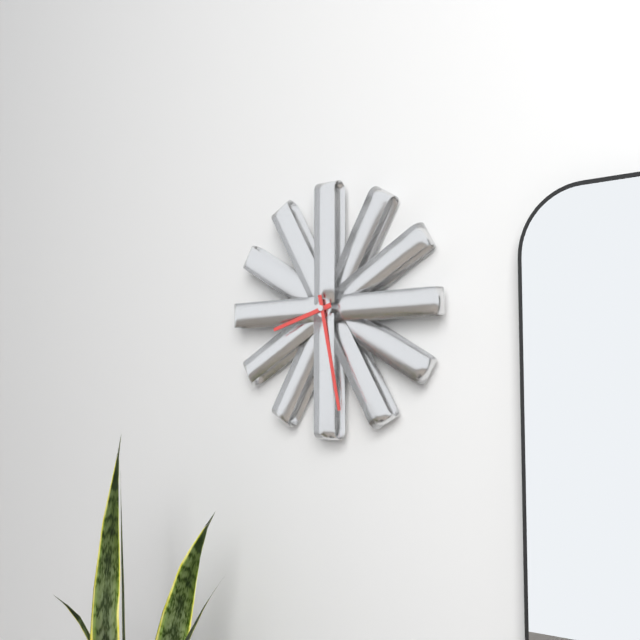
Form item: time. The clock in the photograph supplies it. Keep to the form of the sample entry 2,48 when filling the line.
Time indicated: 8,28
